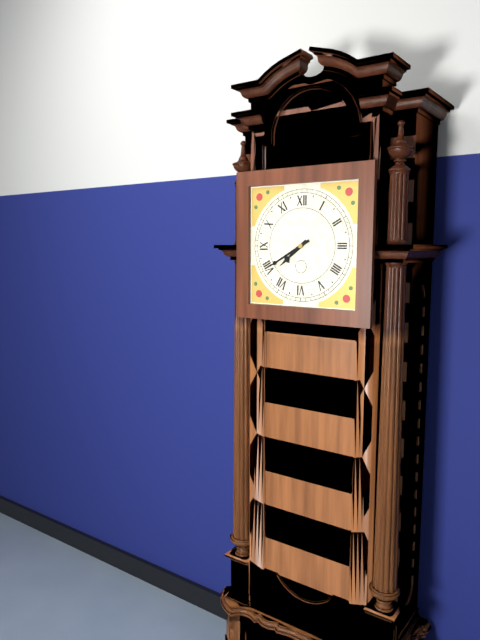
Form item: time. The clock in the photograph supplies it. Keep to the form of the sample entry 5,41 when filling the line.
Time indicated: 7,40
